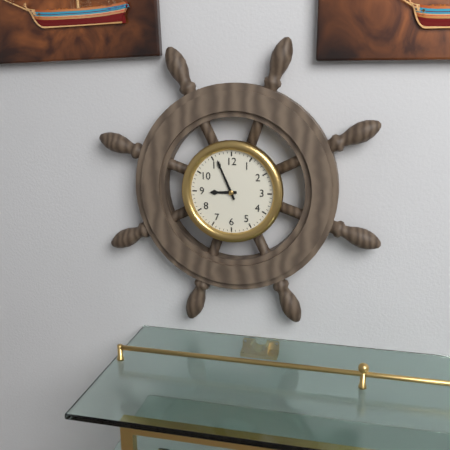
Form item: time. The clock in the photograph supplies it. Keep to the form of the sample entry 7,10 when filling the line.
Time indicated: 8,56
